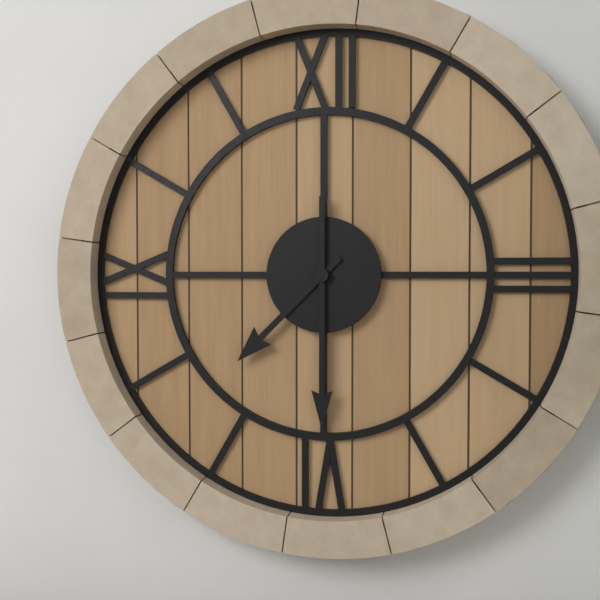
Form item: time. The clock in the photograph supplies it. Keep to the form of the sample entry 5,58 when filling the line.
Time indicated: 7,30
